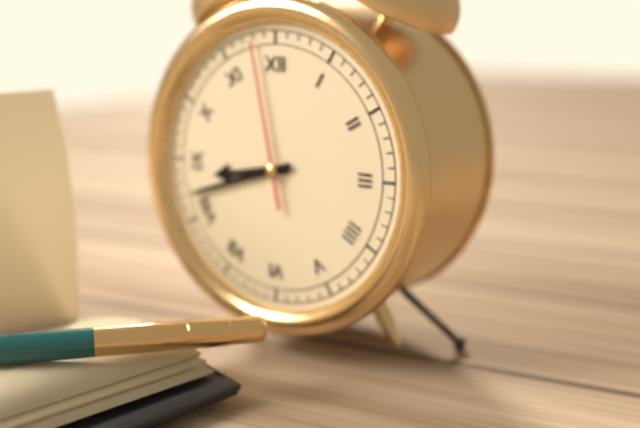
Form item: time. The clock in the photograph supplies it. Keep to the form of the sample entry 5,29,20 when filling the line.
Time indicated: 8,42,58
